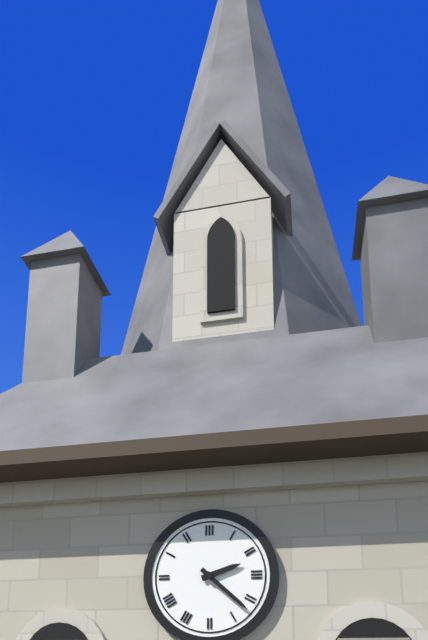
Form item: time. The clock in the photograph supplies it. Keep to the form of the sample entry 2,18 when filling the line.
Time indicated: 2,22
